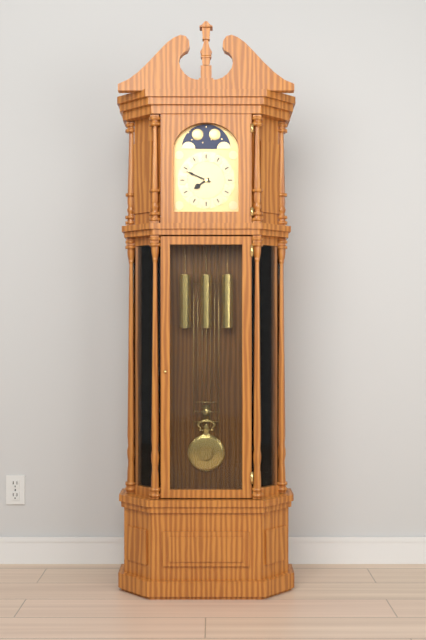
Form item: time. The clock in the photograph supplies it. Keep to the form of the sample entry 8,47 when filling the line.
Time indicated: 7,49
